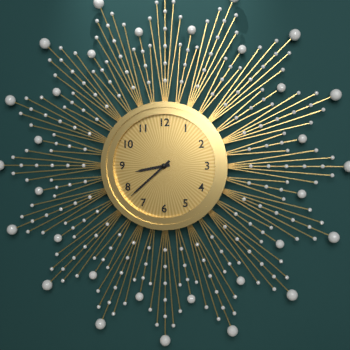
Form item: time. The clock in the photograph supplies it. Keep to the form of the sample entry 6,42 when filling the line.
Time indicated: 8,38
